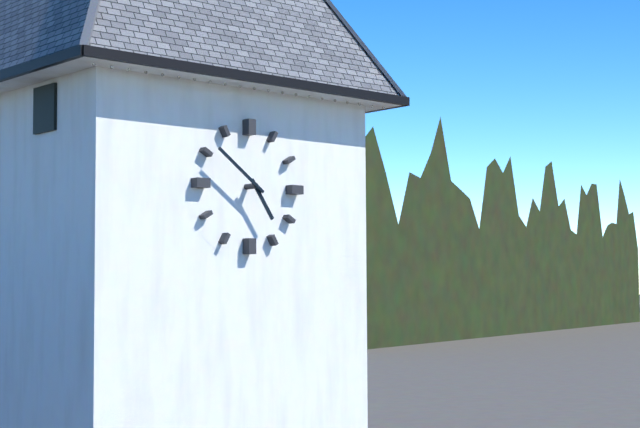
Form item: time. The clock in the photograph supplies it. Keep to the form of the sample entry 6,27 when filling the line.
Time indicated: 4,51
